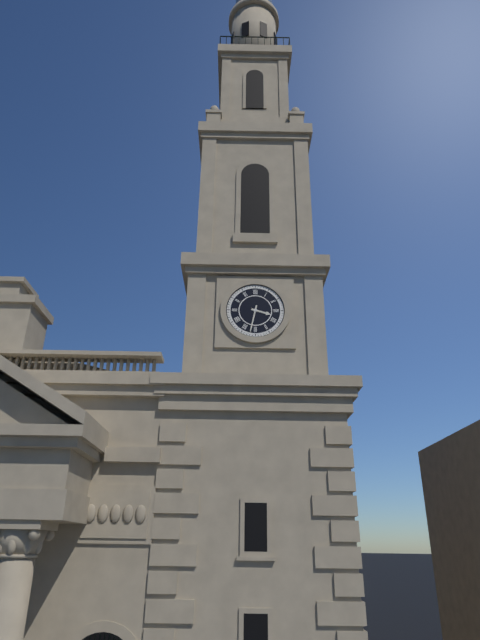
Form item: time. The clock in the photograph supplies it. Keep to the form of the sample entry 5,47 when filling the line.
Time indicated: 3,32
